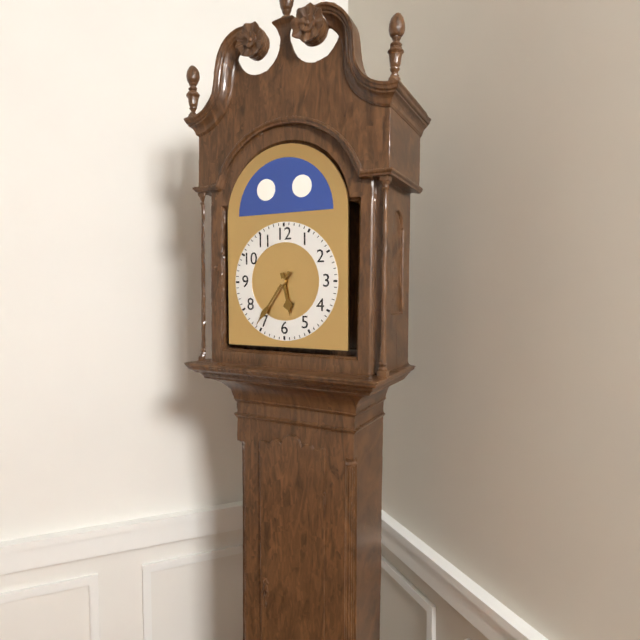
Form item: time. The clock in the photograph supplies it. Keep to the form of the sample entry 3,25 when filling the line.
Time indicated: 5,36
